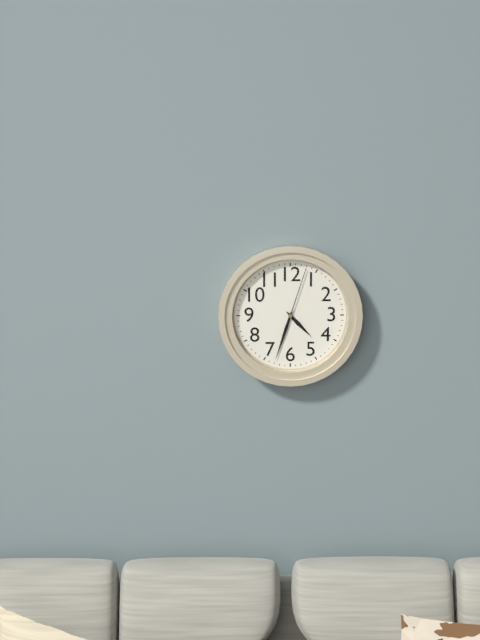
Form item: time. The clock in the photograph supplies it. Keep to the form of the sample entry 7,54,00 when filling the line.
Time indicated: 4,33,03
